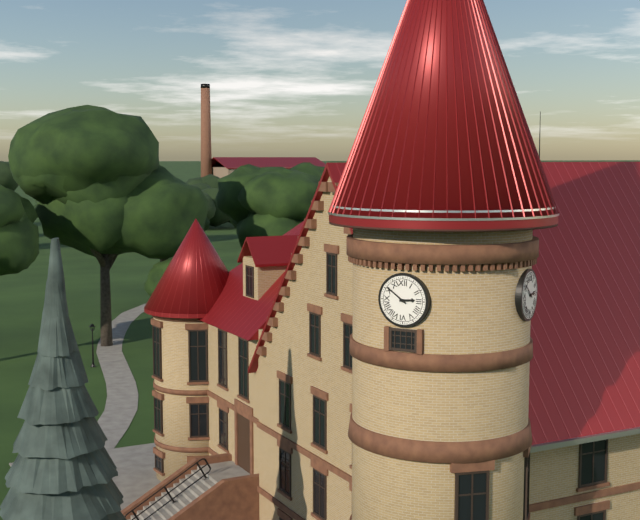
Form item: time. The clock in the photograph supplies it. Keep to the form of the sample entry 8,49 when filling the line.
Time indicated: 2,51
